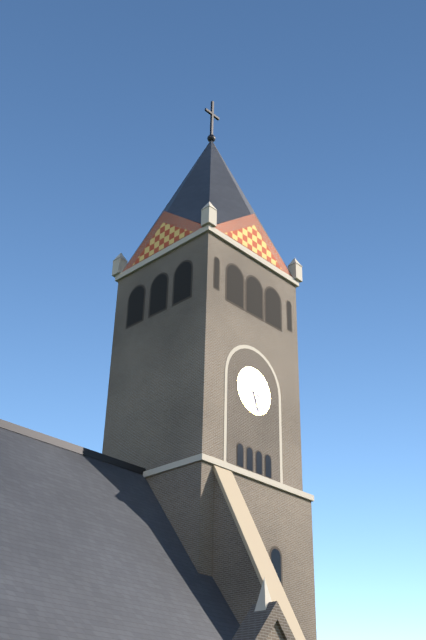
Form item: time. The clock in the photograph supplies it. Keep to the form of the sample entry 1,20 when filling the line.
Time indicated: 3,27
